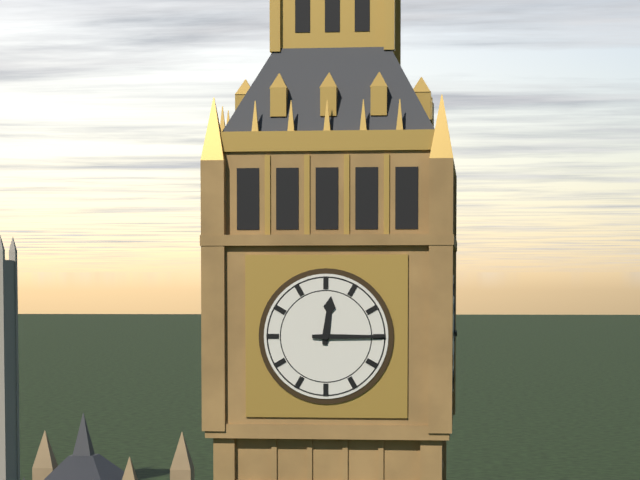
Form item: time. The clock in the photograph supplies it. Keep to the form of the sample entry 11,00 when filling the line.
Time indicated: 12,15
